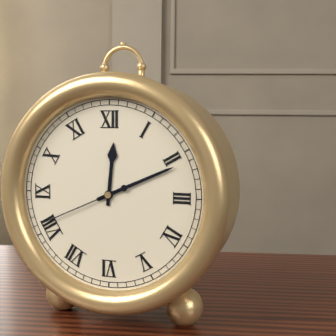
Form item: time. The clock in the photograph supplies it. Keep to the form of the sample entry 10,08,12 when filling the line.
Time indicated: 12,11,41
